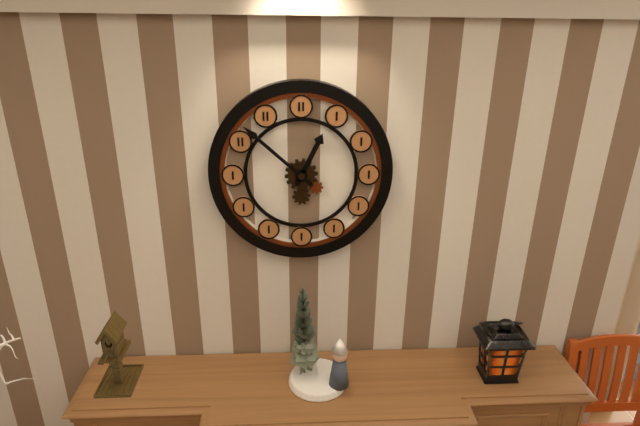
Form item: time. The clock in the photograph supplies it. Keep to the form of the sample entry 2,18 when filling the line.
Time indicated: 12,52
